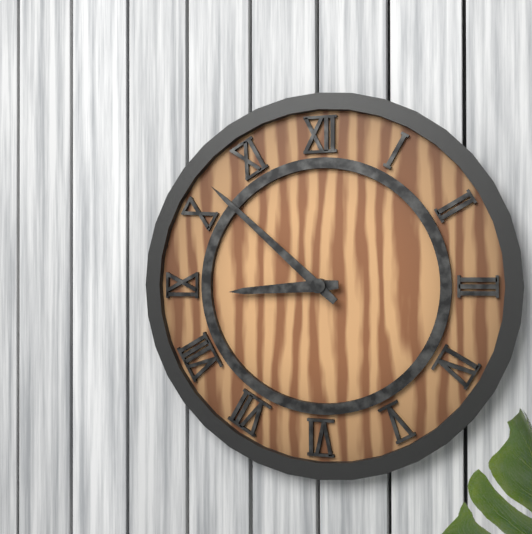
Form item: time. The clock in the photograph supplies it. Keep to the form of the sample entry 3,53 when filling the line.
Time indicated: 8,52
